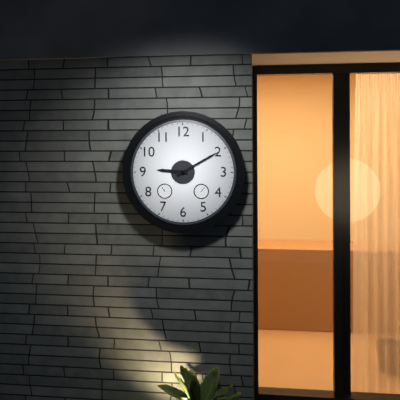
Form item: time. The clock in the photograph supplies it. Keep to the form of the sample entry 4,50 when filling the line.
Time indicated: 9,10
